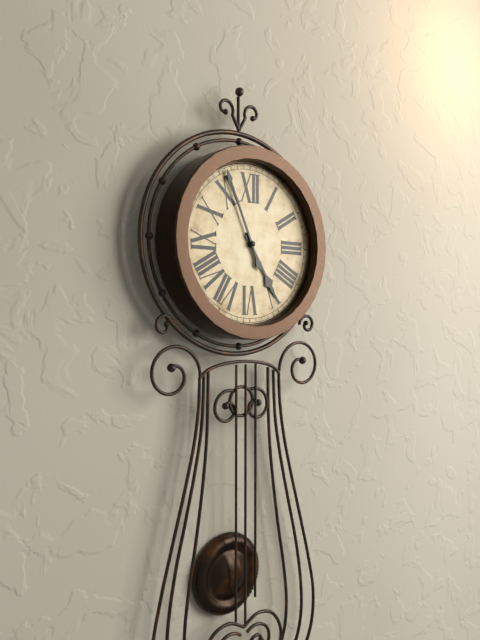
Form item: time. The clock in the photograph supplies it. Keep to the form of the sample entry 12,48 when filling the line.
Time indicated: 4,56
